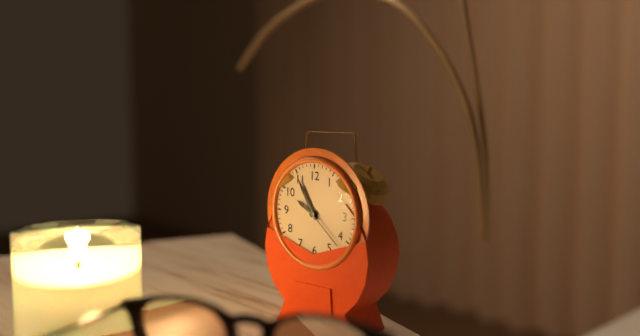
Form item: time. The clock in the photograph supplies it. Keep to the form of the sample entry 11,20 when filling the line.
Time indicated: 9,55
